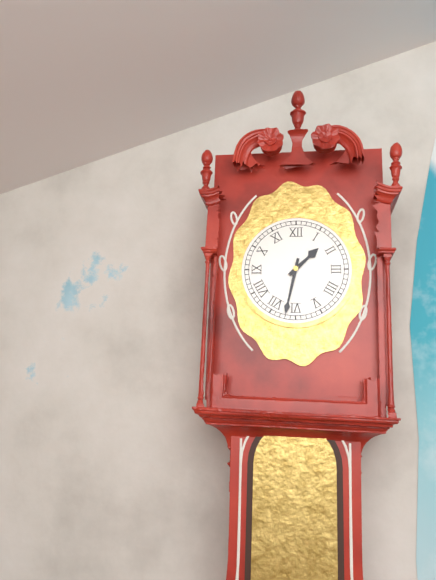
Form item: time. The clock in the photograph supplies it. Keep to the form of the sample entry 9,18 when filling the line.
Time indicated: 1,32
